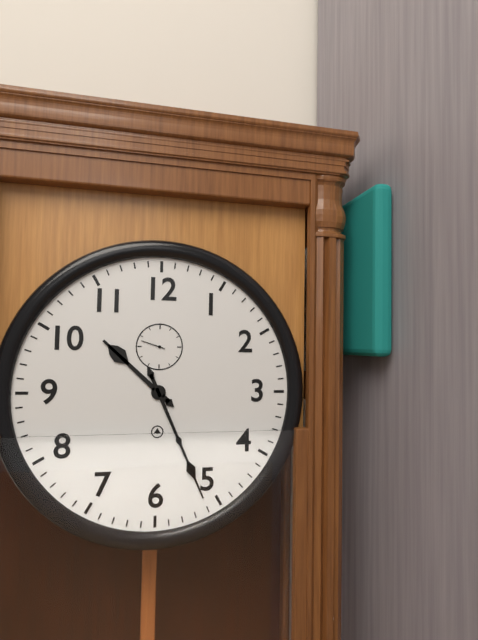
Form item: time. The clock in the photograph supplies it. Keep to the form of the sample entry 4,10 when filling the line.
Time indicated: 10,26
